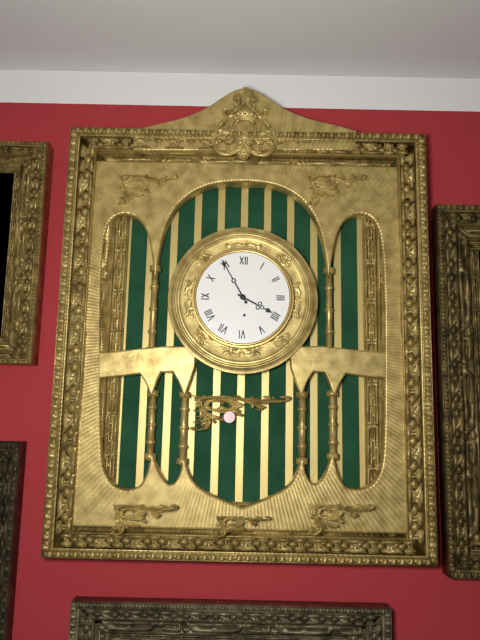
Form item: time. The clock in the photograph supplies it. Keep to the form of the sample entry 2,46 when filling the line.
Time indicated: 3,55
